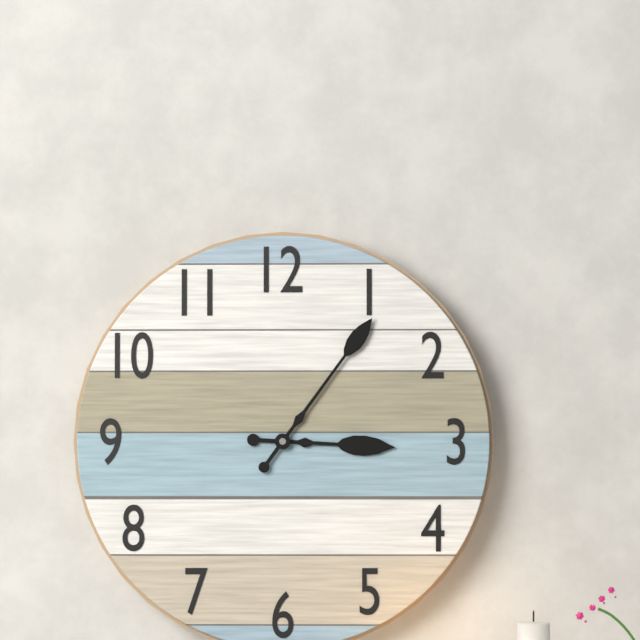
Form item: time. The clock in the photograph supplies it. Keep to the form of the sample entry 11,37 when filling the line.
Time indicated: 3,06
